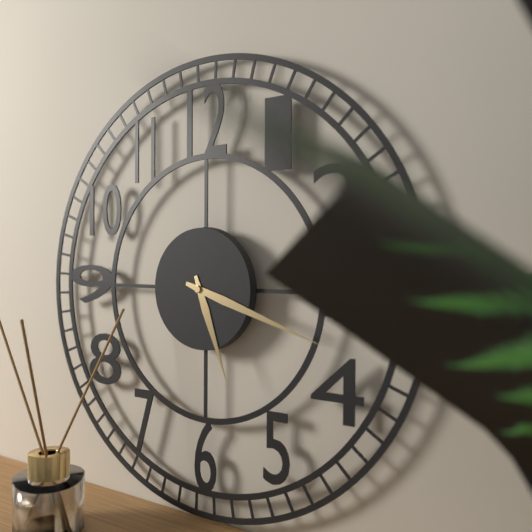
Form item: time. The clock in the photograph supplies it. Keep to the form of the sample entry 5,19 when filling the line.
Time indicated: 5,18
